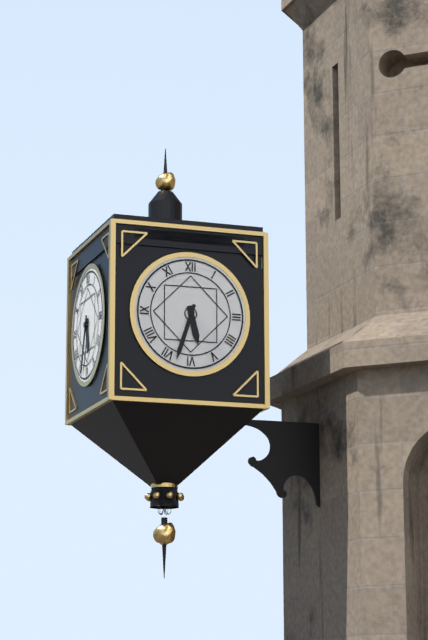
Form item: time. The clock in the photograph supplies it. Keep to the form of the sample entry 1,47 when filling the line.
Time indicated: 5,33
